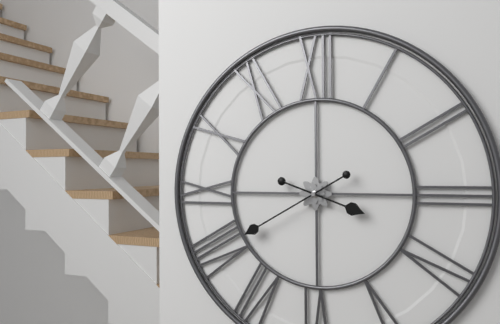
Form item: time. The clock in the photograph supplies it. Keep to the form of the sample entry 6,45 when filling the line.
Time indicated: 3,40
